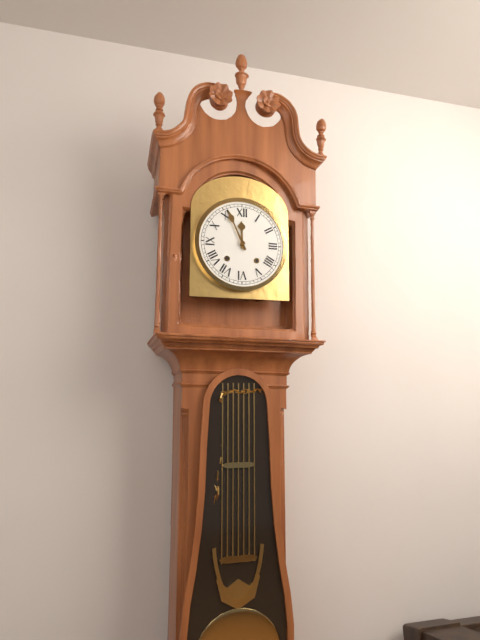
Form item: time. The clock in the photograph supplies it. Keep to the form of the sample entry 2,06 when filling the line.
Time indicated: 11,56
